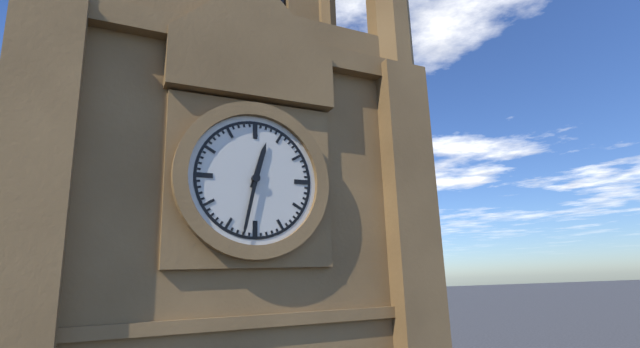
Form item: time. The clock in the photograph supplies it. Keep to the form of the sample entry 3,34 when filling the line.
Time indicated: 12,32
